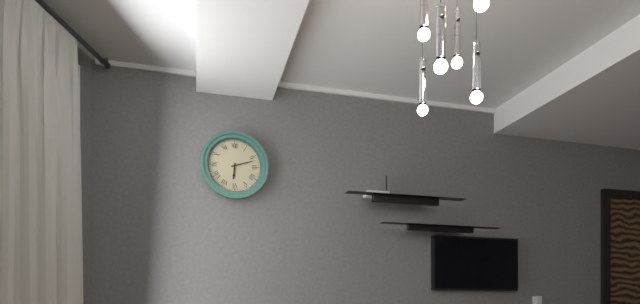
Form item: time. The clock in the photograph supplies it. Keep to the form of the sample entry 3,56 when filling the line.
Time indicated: 6,12
